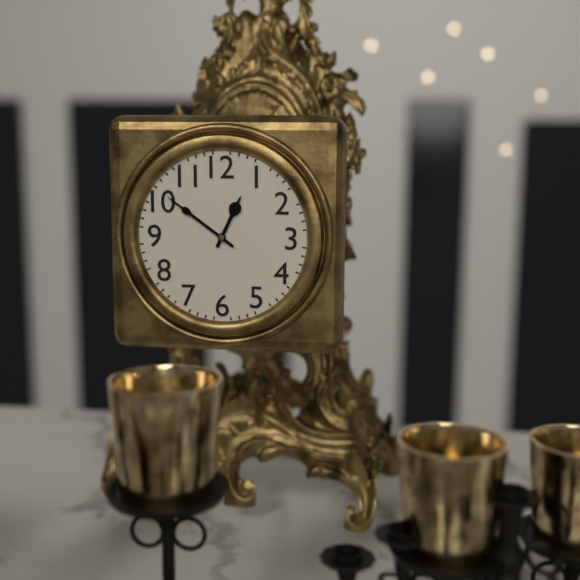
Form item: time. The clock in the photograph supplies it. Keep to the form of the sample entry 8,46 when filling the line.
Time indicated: 12,51
